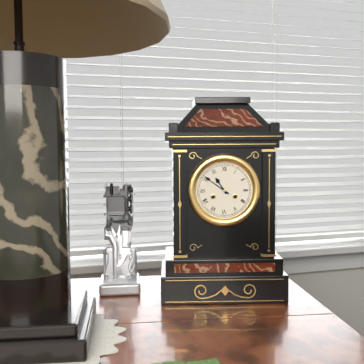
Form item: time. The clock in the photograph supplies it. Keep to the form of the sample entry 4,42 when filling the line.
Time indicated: 10,51
